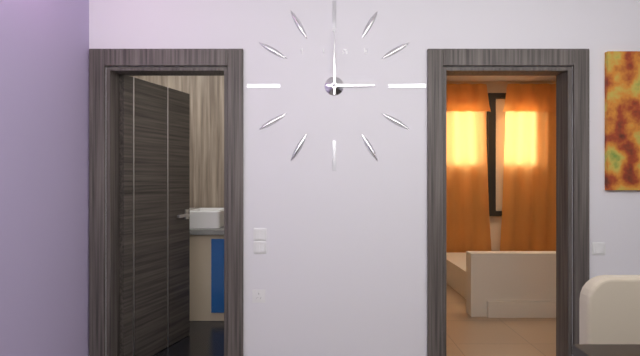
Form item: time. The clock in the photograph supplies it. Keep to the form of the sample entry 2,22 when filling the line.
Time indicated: 3,00
